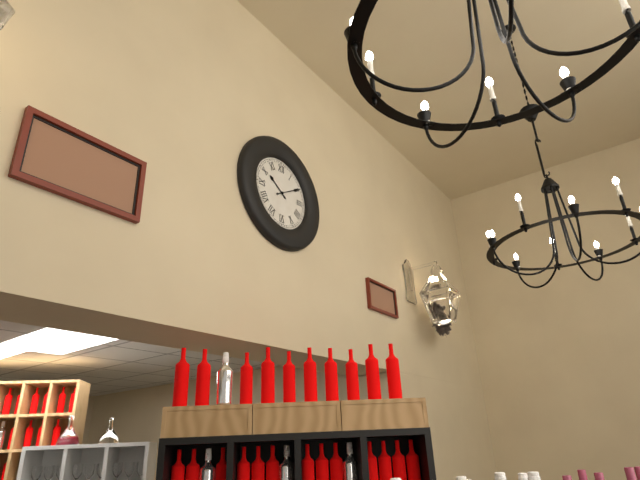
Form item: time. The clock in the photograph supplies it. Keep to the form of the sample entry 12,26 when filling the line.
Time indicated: 10,10
